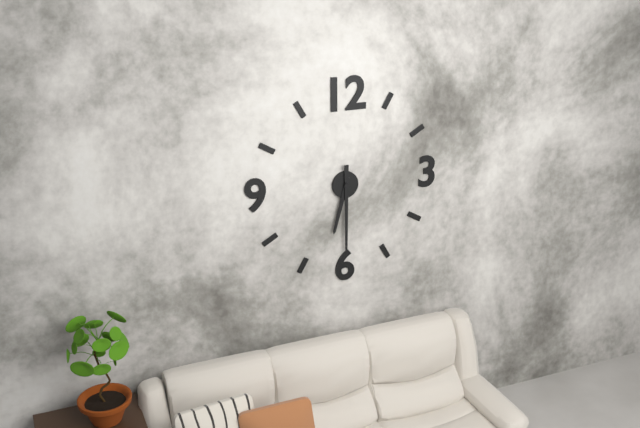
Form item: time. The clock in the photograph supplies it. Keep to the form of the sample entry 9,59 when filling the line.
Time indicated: 6,30
